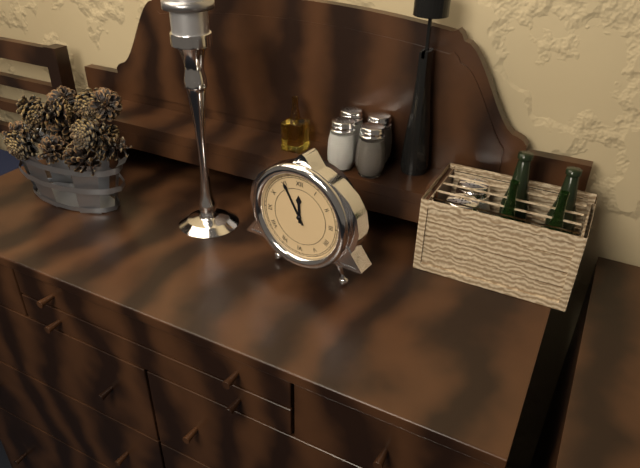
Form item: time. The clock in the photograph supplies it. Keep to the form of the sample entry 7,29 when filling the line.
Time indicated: 11,55
